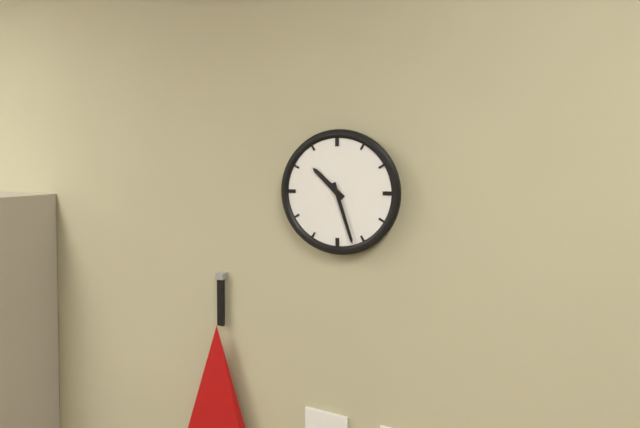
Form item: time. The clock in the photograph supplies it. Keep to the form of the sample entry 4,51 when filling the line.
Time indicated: 10,27
